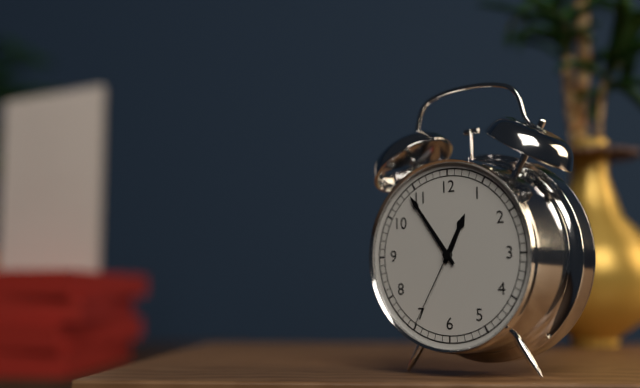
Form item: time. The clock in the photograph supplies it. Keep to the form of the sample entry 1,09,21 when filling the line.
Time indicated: 12,54,35
